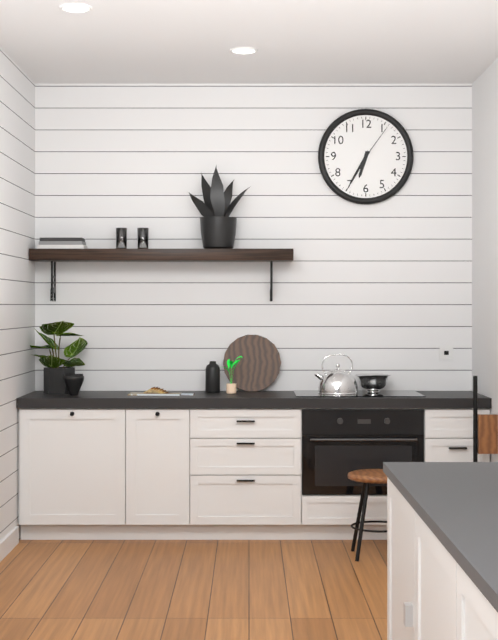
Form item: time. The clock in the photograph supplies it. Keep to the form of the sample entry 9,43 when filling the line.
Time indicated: 6,35
